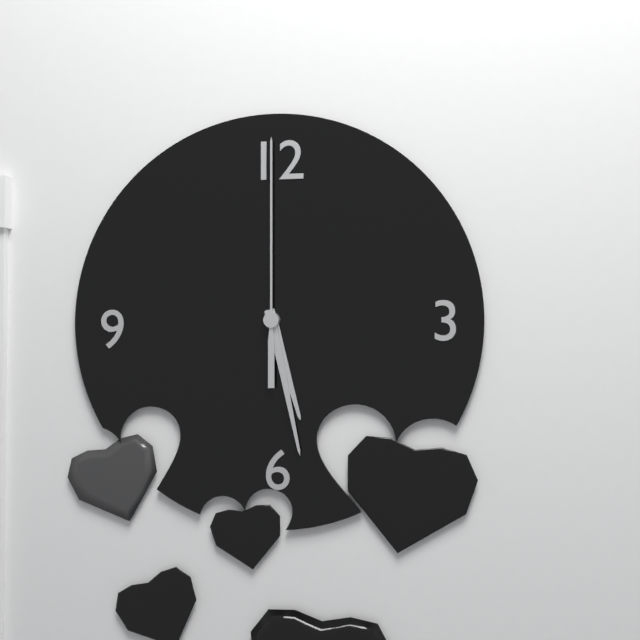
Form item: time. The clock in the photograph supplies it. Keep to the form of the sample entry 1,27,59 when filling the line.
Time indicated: 5,28,00
